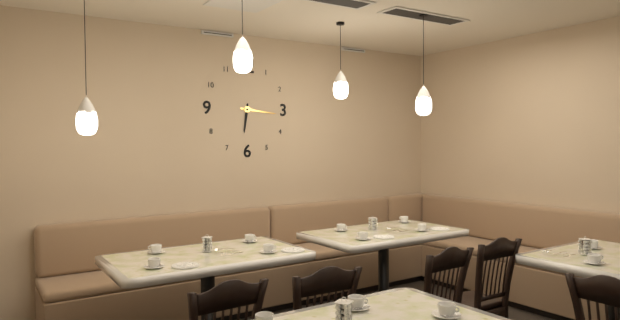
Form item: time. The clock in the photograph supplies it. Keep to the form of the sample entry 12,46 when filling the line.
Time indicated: 6,16
